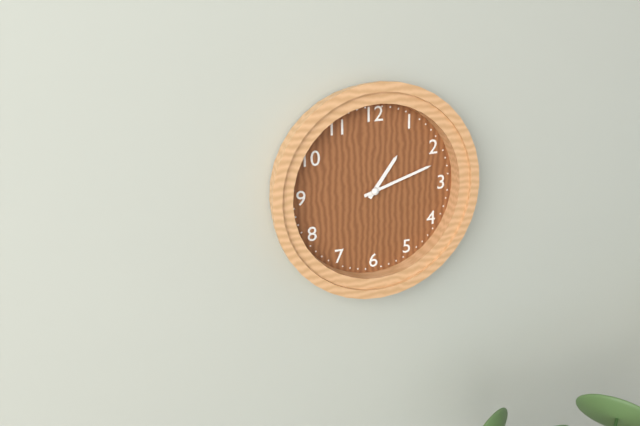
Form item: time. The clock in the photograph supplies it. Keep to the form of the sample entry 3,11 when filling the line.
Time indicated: 1,12
